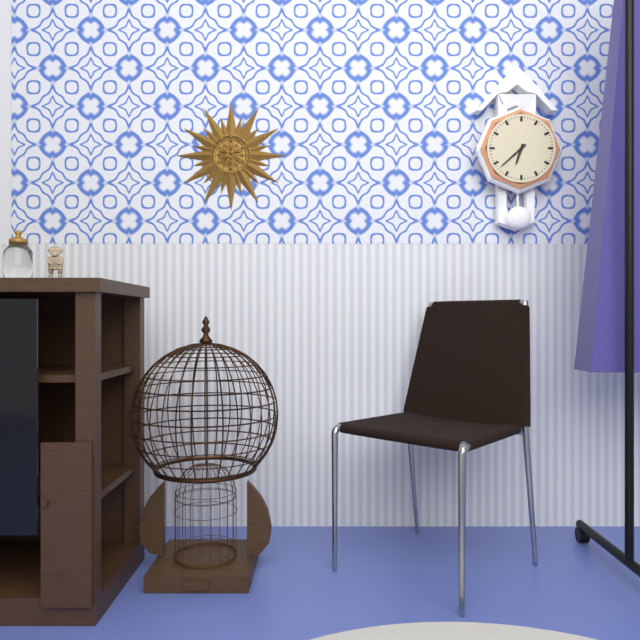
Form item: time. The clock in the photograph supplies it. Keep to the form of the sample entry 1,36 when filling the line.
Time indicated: 6,38
